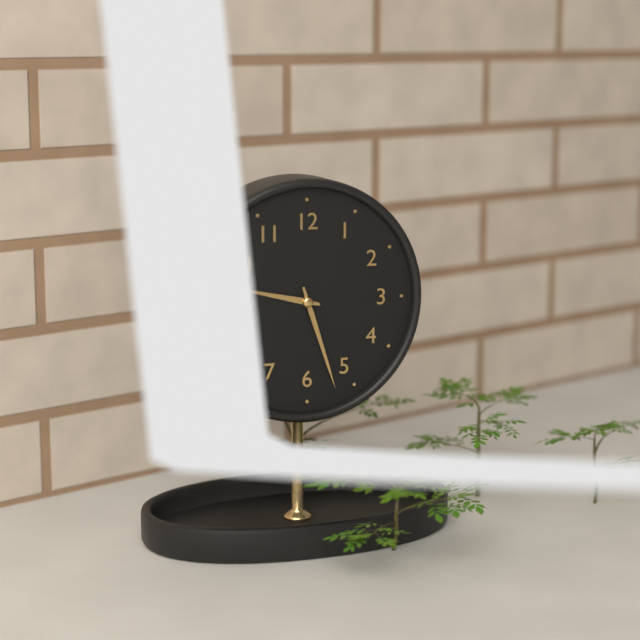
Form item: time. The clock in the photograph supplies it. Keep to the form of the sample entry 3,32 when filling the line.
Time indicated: 9,27
